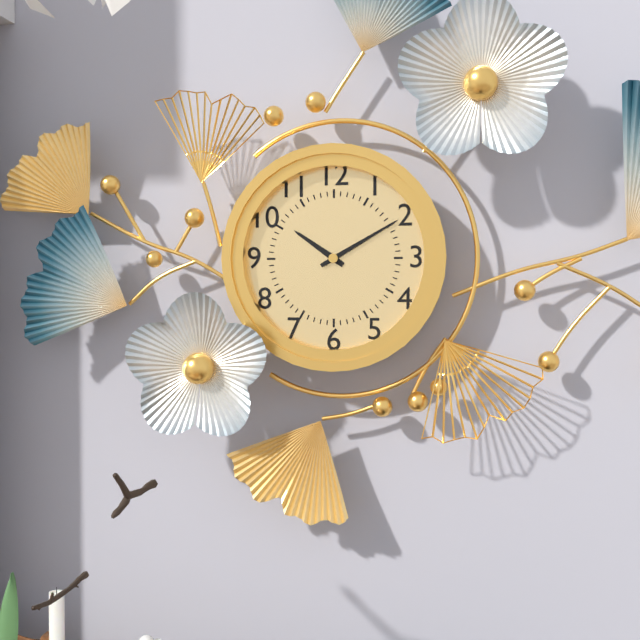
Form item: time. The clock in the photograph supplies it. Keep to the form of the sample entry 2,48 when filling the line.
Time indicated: 10,10
